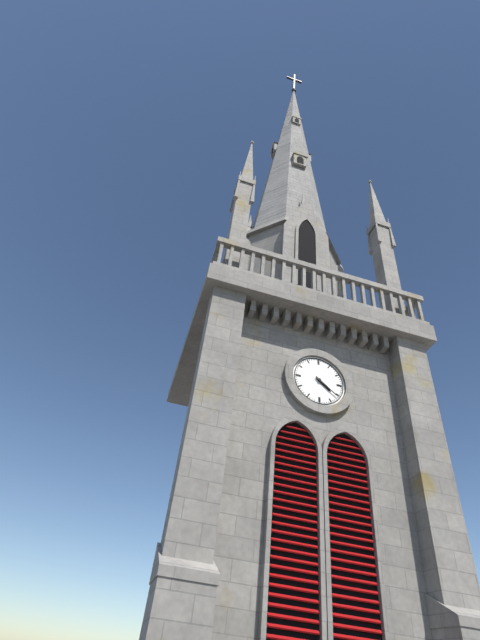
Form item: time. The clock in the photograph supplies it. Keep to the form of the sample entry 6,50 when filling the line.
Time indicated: 4,21
